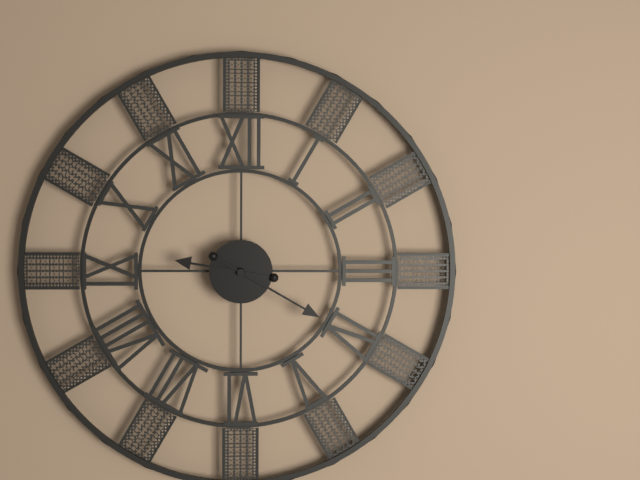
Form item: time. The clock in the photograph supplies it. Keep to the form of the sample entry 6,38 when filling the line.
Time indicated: 9,20
